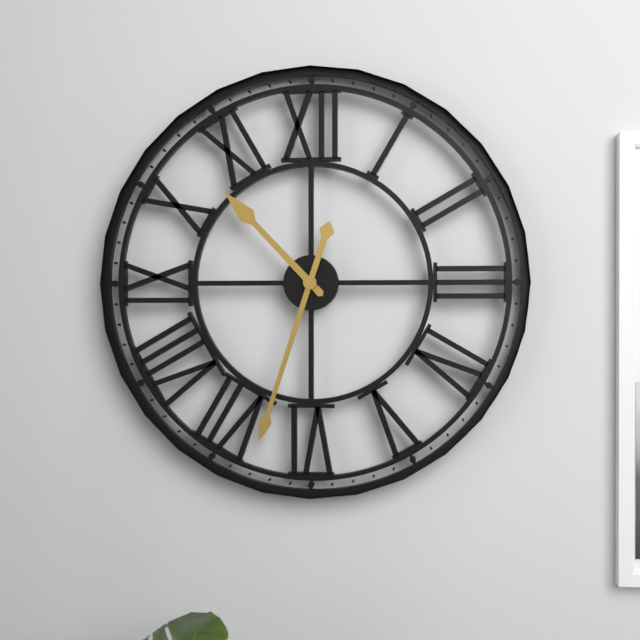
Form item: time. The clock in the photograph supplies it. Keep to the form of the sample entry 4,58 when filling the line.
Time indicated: 10,33
